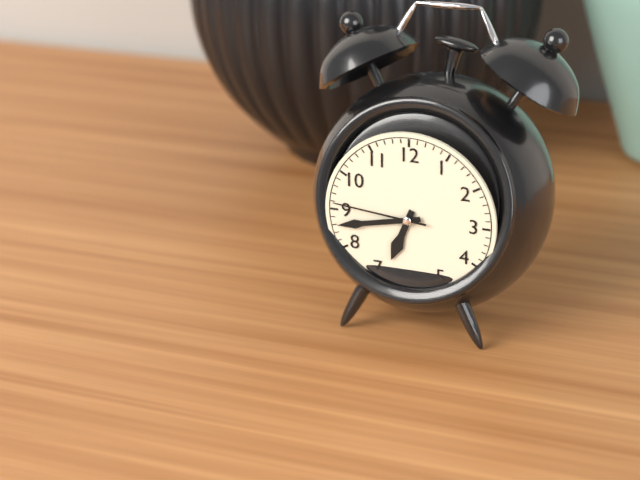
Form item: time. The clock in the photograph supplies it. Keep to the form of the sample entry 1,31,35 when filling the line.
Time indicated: 6,43,46
